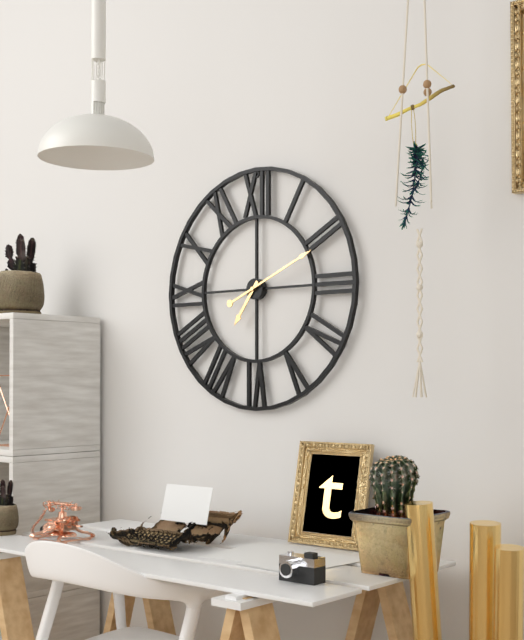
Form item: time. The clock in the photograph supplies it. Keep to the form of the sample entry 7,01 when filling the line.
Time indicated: 7,11
